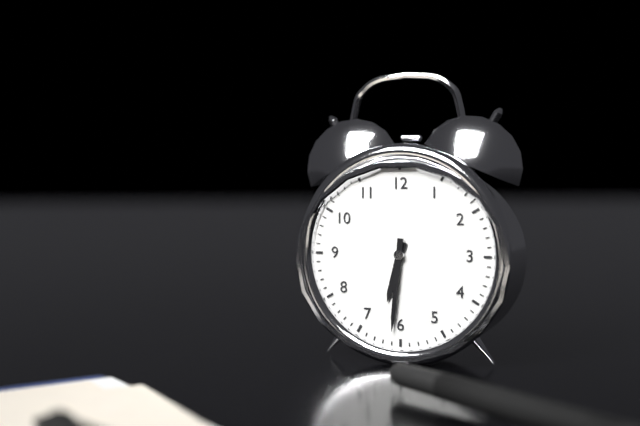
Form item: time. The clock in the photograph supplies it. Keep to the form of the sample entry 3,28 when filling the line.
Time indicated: 6,31
